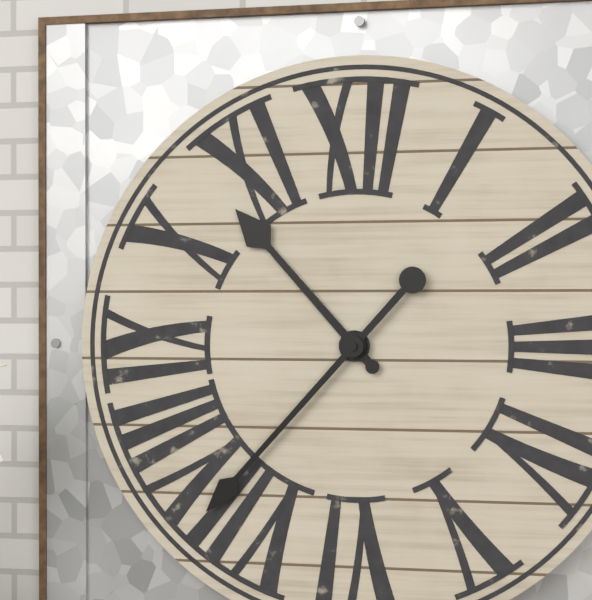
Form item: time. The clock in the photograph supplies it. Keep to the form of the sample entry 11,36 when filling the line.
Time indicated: 10,37
